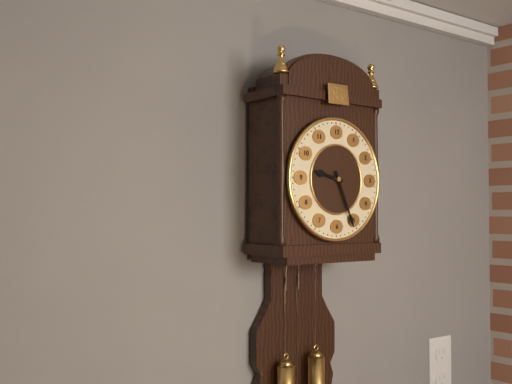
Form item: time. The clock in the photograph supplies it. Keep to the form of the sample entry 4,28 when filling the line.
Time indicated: 9,26
